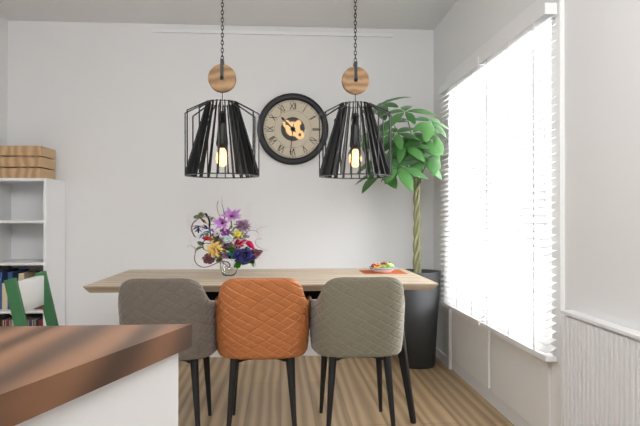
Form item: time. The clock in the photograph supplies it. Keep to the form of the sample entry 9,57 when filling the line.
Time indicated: 10,31
